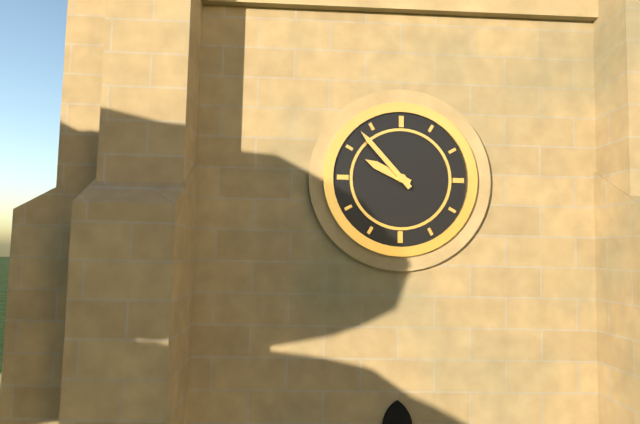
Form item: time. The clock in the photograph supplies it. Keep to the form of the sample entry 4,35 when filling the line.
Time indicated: 9,53
